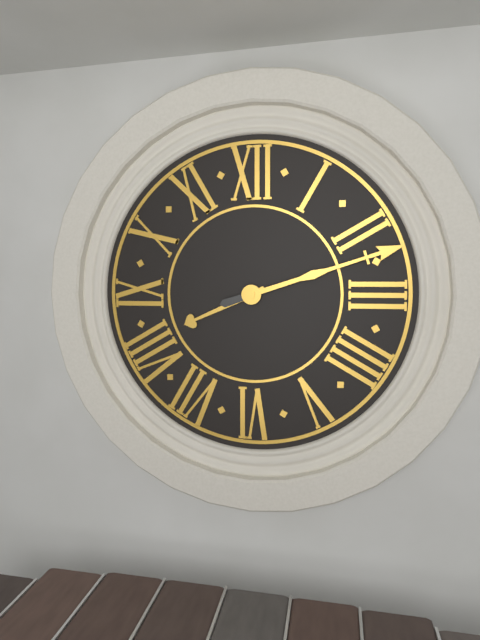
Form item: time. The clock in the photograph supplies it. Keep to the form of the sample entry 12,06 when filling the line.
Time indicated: 8,12
